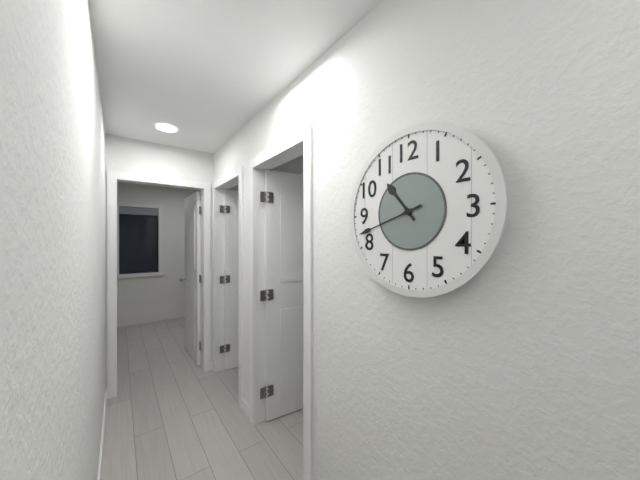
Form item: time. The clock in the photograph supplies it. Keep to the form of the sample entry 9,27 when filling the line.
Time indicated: 10,42
